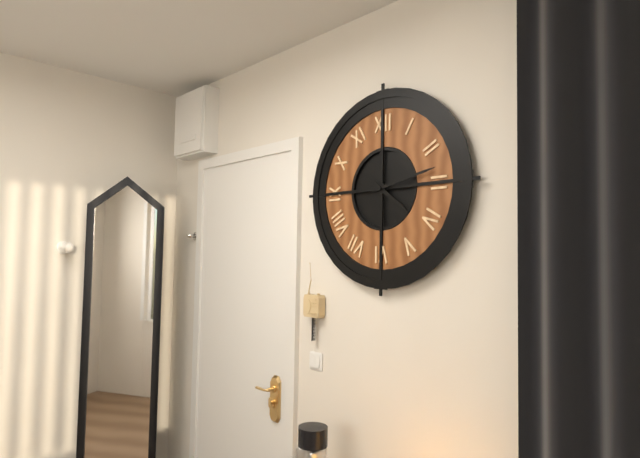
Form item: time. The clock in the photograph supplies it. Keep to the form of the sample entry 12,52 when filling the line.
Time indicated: 4,13
